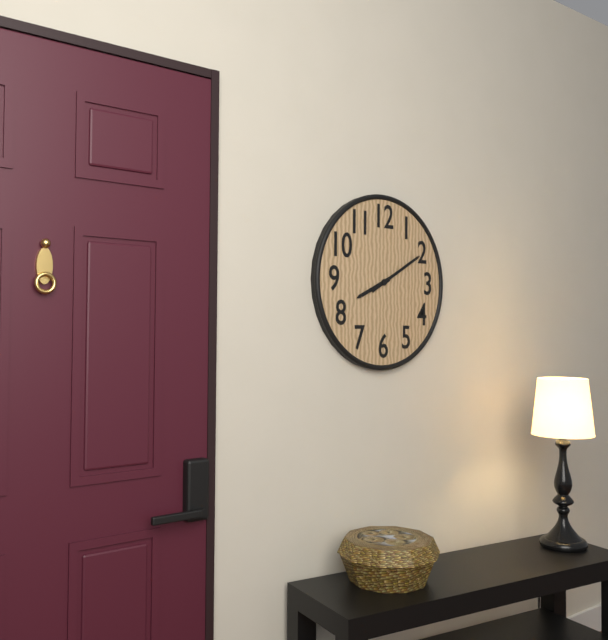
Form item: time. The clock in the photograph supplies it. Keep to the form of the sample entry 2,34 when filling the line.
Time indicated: 8,10
